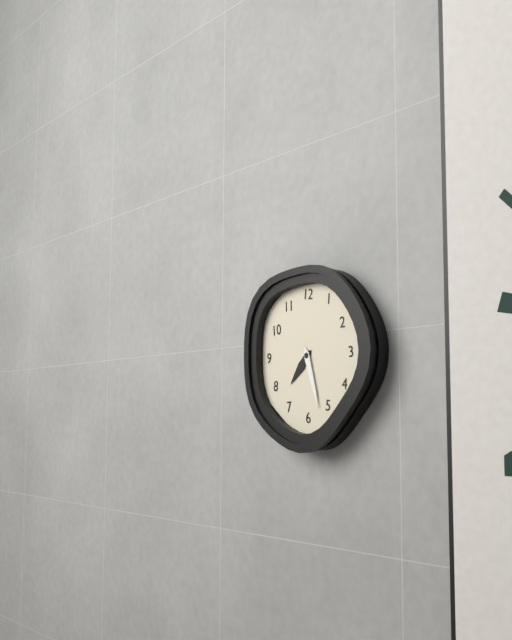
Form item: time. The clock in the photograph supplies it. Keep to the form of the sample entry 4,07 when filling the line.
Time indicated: 7,27
